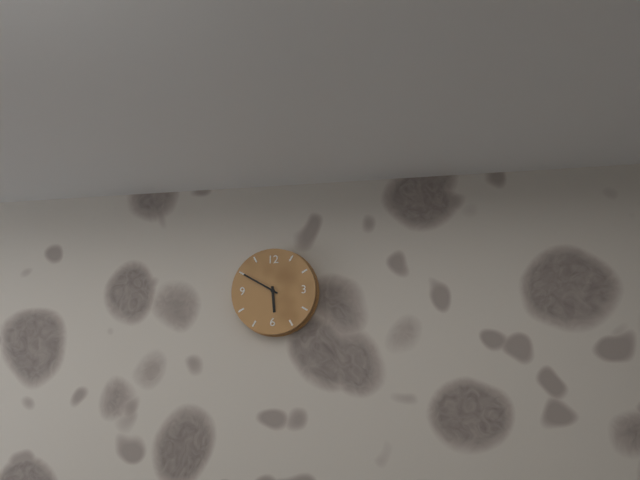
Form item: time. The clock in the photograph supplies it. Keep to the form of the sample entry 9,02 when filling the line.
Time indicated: 5,50
